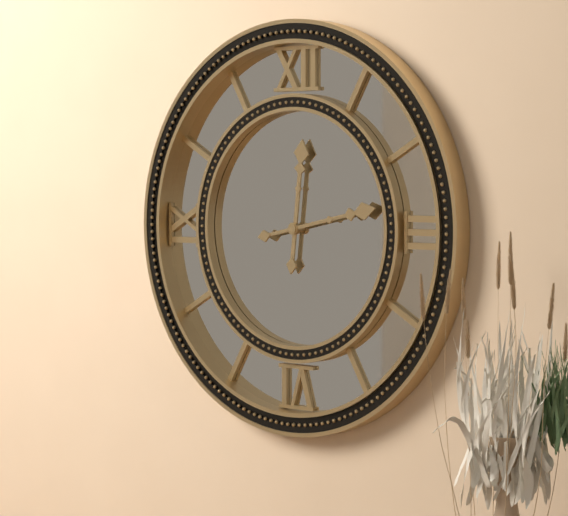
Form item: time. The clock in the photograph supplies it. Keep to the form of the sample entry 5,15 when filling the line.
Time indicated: 12,13
